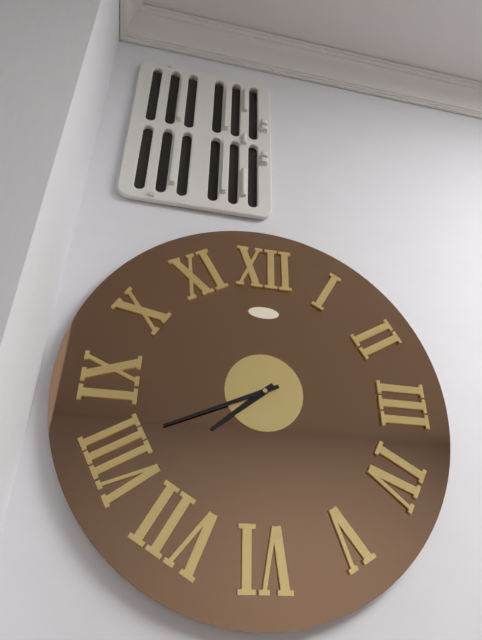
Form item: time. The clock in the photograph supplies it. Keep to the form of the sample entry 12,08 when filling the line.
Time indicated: 7,41
